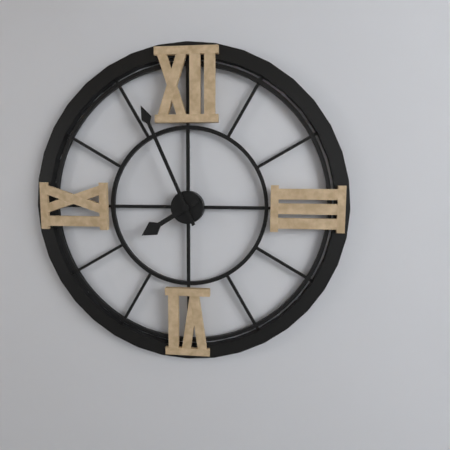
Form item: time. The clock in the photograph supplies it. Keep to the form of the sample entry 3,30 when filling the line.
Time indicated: 7,56
